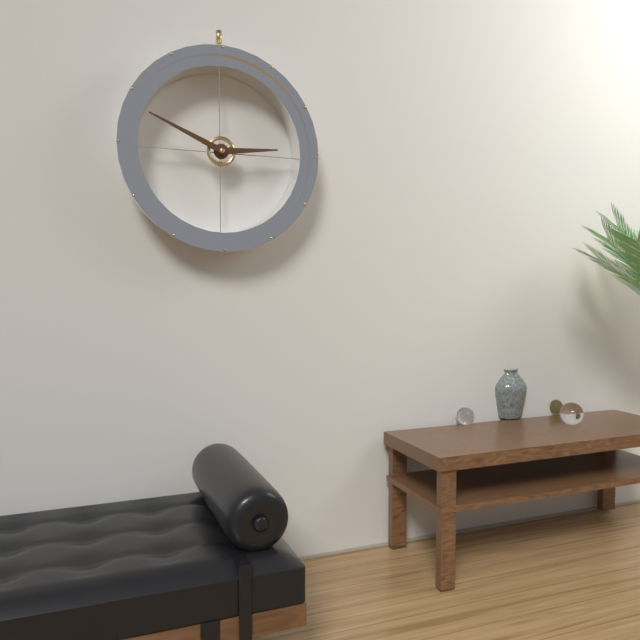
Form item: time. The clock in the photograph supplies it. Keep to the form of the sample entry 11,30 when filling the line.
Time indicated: 2,49
